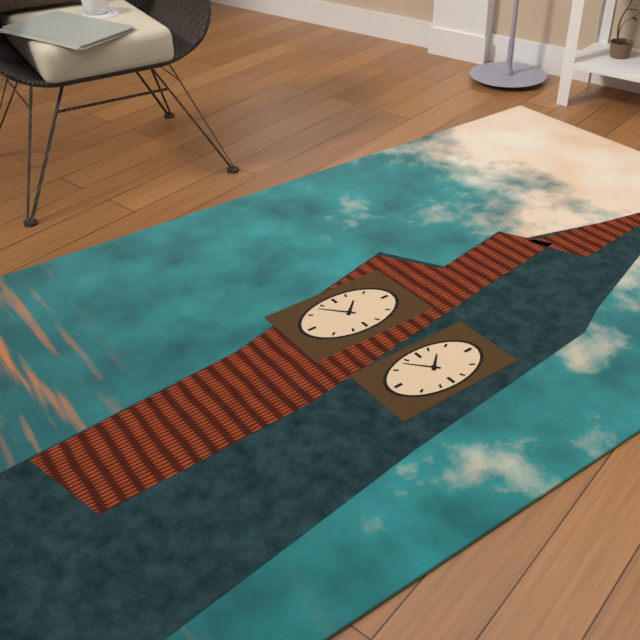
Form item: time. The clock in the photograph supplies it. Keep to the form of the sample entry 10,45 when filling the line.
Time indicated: 10,38
